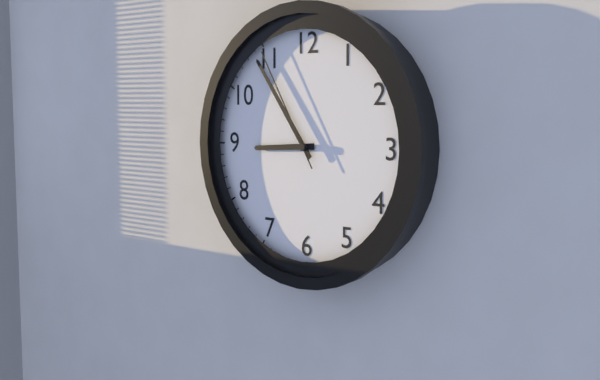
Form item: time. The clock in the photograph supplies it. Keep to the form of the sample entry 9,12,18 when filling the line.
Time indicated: 8,54,55
